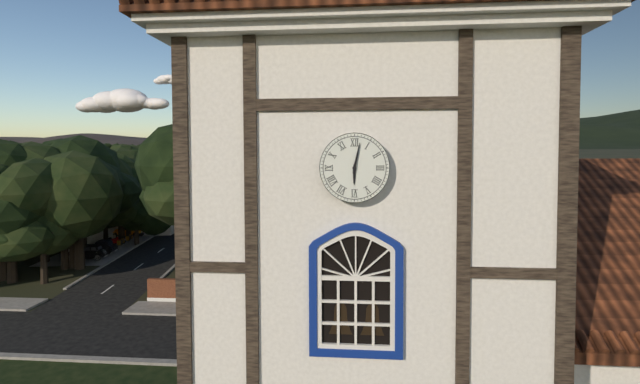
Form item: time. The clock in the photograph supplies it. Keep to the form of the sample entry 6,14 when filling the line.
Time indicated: 6,02
